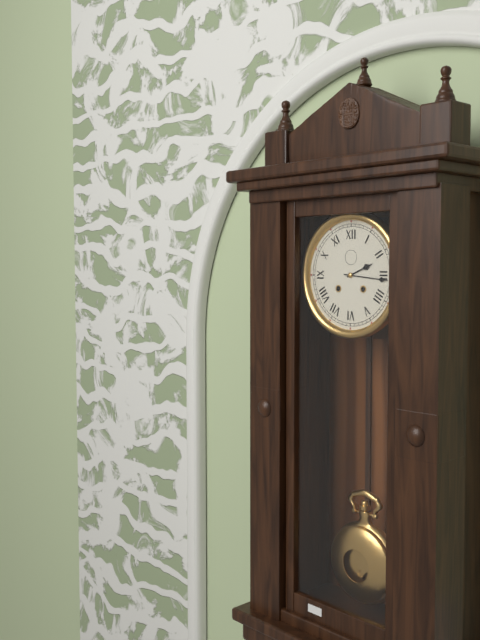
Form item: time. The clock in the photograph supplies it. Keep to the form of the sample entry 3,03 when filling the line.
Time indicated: 2,16
